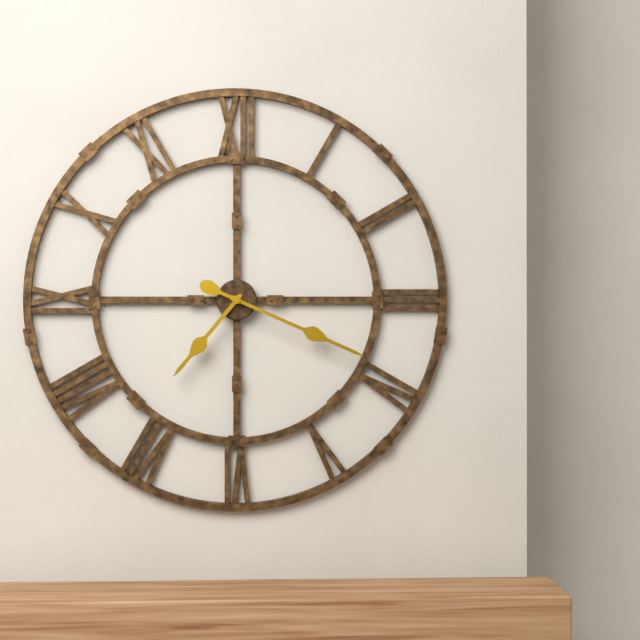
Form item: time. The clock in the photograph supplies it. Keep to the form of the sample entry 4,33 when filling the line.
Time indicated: 7,19
